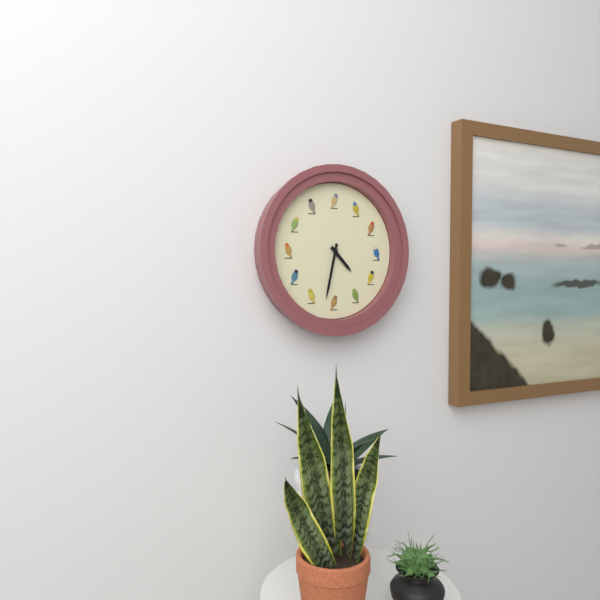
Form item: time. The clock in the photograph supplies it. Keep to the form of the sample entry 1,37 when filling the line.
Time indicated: 4,32
